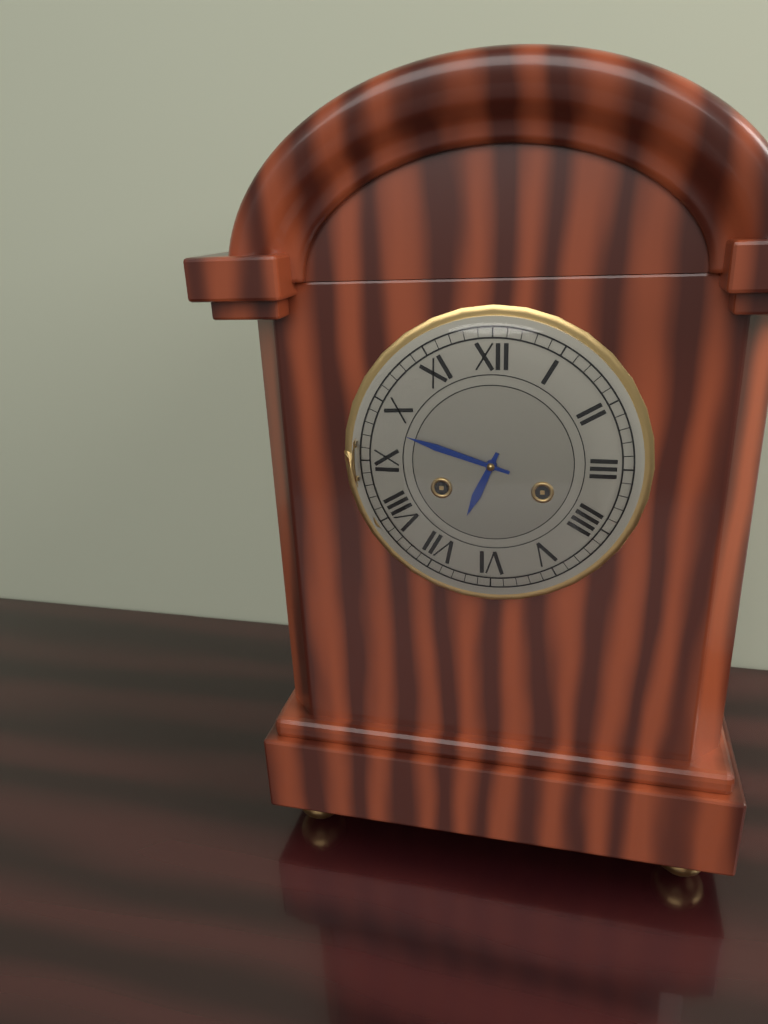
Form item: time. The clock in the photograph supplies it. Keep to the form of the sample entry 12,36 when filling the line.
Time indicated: 6,48
